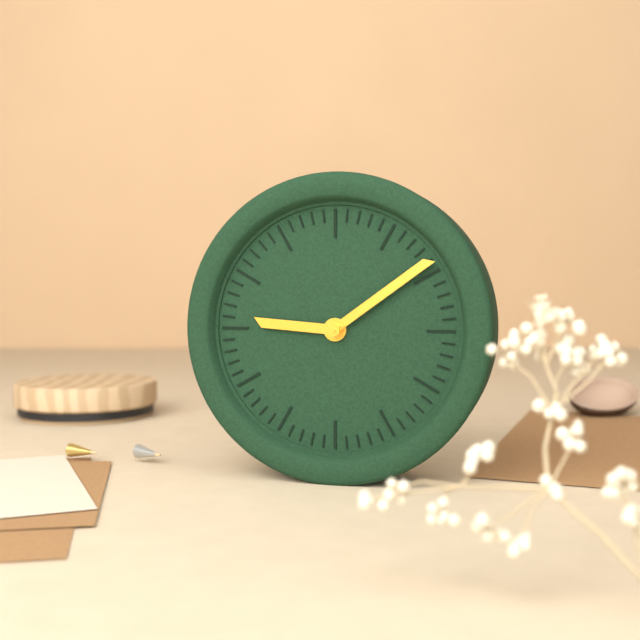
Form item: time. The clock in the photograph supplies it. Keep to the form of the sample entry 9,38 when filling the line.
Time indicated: 9,09
